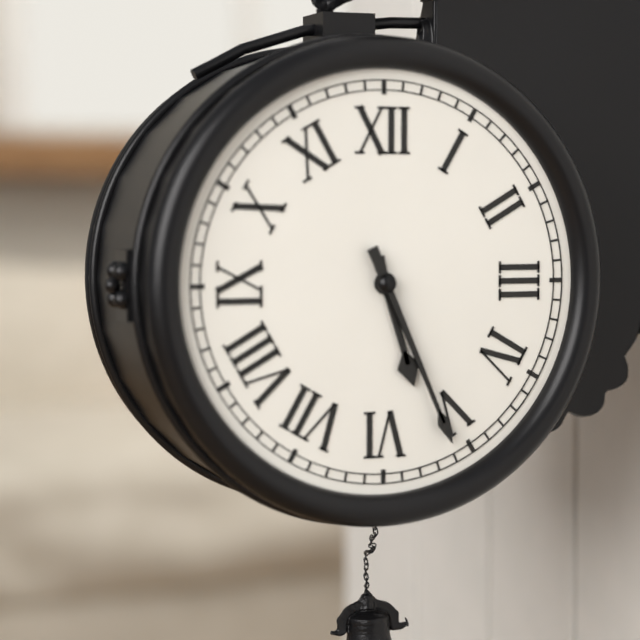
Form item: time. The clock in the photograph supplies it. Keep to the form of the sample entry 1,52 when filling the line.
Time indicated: 5,26
